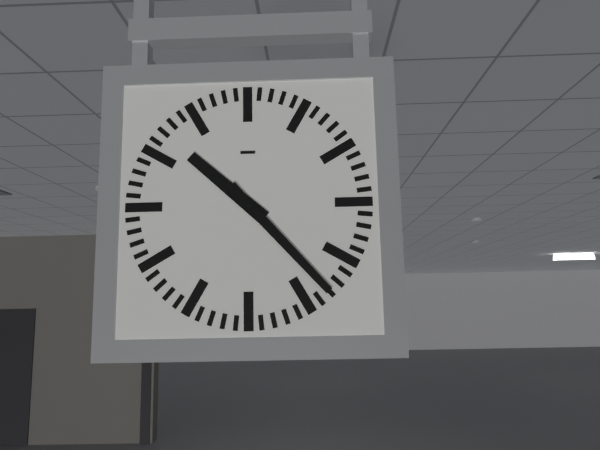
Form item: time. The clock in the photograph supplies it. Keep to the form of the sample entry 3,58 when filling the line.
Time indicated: 10,23
